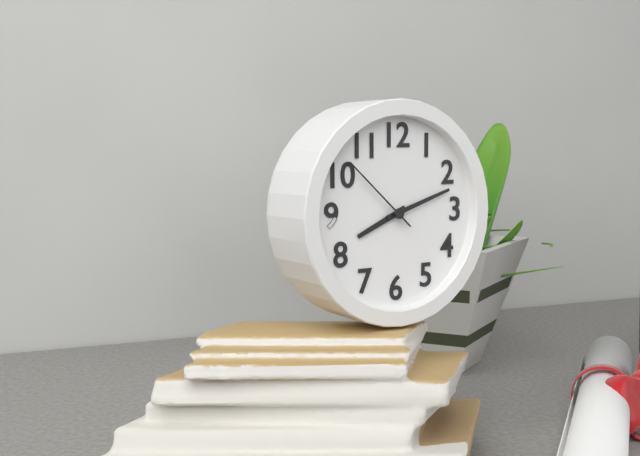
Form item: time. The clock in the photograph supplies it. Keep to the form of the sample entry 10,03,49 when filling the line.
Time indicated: 8,12,52
